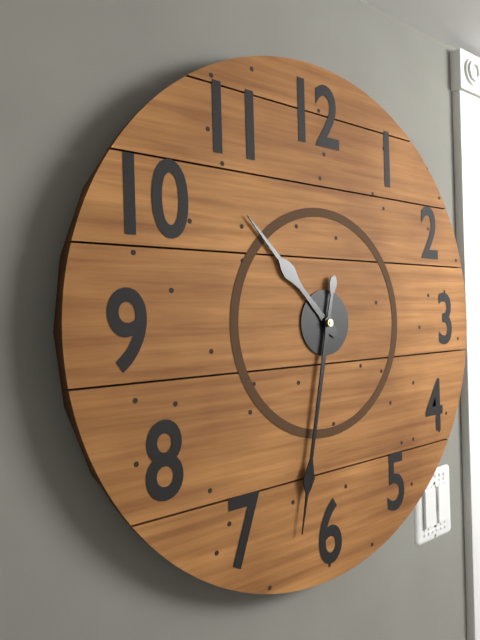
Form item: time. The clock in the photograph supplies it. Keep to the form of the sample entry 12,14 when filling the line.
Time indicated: 10,32
